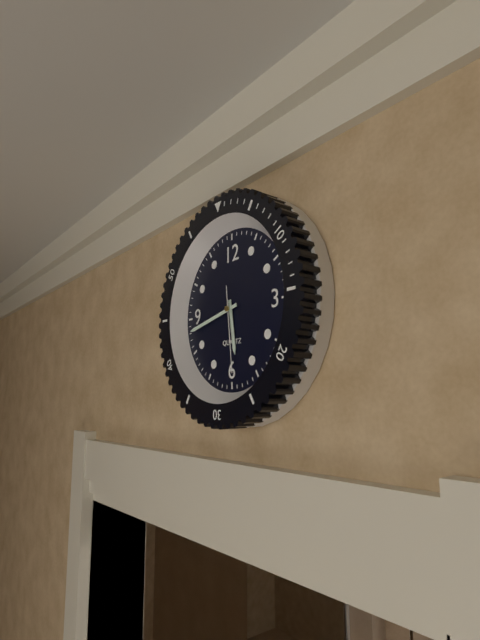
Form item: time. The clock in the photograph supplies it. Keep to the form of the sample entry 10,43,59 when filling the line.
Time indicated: 5,43,29
